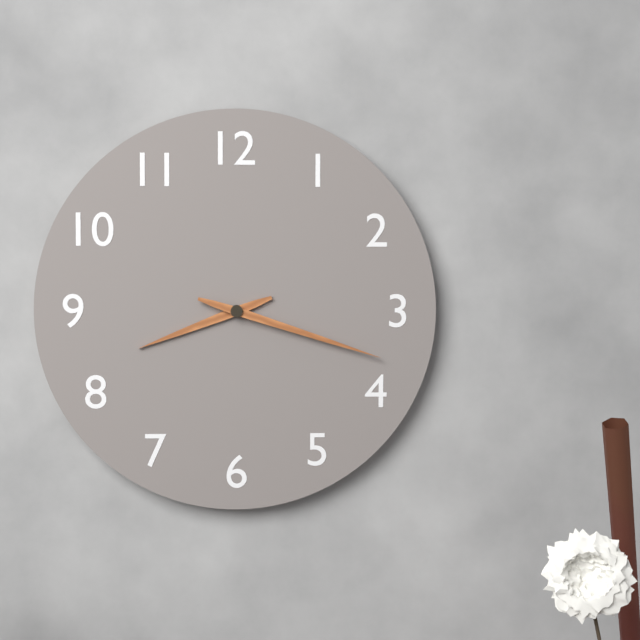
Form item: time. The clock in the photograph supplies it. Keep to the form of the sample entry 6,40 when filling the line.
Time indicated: 8,18
